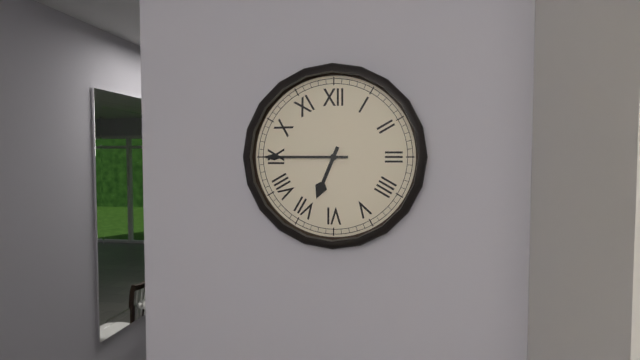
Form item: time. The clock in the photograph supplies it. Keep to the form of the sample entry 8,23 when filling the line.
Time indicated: 6,45
